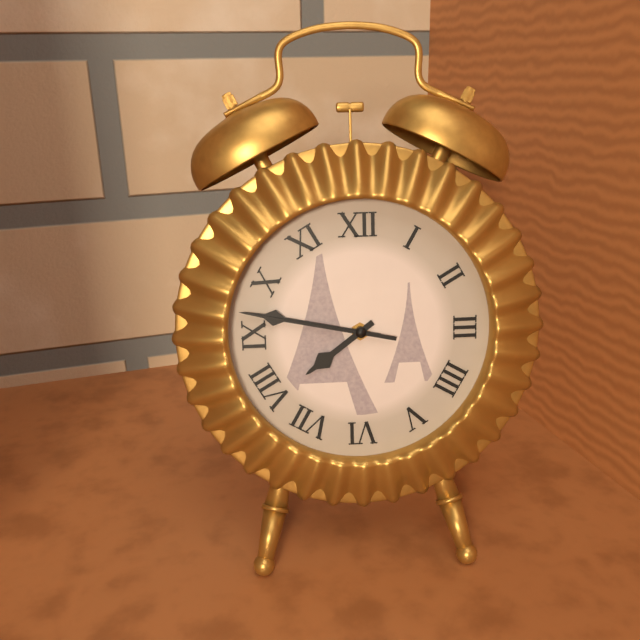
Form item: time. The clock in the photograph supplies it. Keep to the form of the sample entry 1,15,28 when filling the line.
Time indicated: 7,47,47
